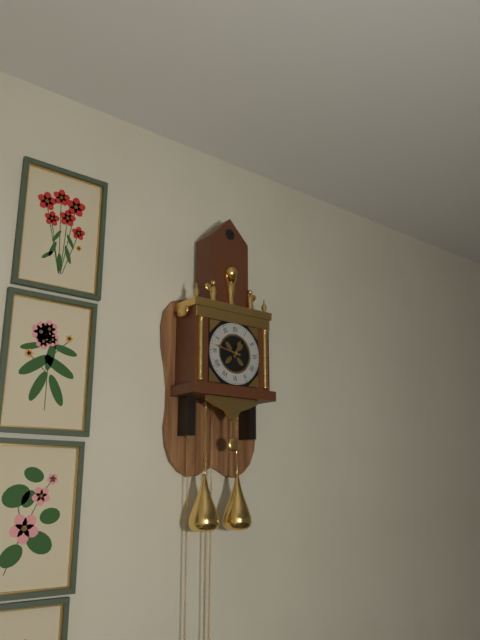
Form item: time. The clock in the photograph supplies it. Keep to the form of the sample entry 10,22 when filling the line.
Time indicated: 12,47
